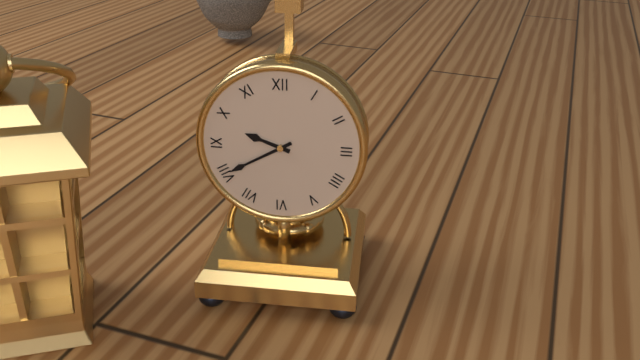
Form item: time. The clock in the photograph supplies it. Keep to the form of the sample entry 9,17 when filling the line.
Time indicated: 9,40
